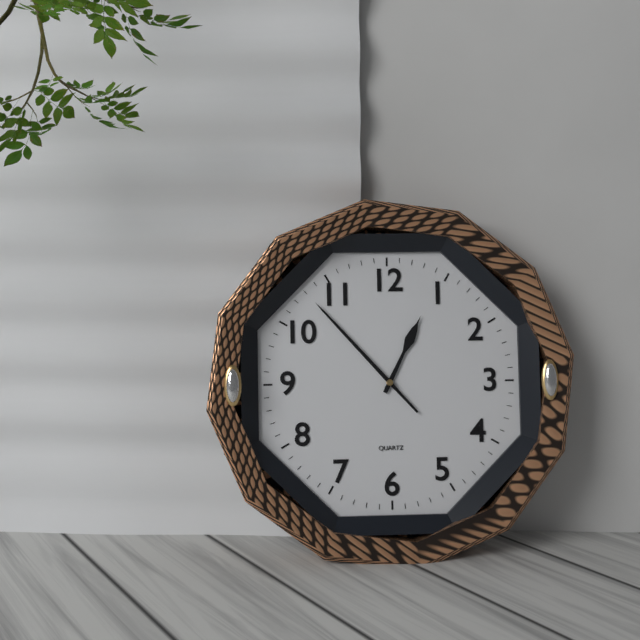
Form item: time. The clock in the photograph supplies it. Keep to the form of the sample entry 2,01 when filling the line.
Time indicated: 12,53
